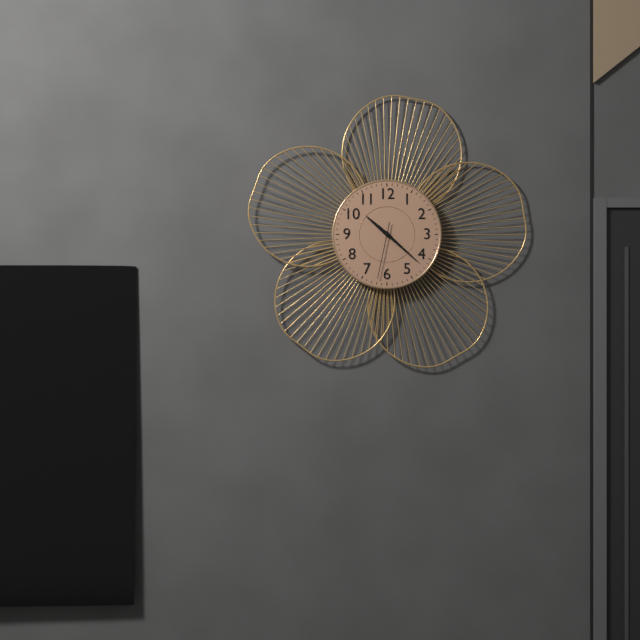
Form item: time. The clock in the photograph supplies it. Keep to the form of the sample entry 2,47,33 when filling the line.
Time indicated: 10,22,32
